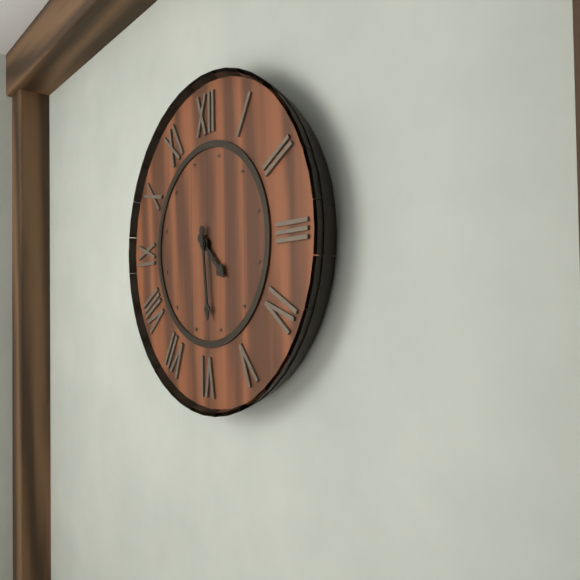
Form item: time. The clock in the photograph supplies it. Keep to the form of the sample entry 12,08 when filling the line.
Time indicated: 4,29
